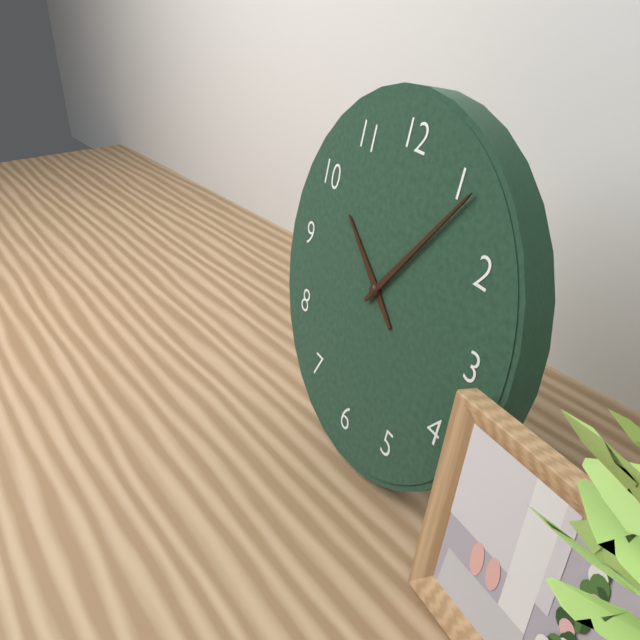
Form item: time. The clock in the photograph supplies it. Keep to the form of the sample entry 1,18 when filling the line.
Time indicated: 10,06
